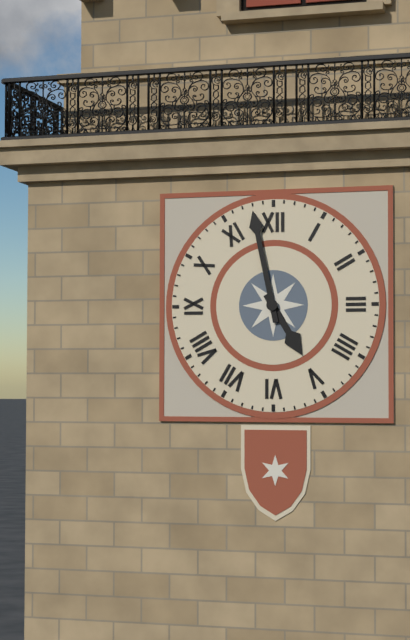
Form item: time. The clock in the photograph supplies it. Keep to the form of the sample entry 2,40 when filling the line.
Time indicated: 4,58
